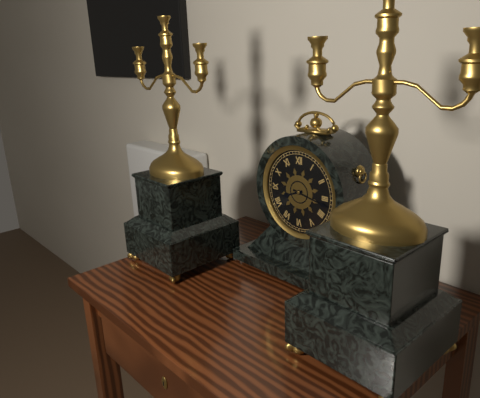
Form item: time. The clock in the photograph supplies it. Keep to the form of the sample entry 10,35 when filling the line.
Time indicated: 8,17
